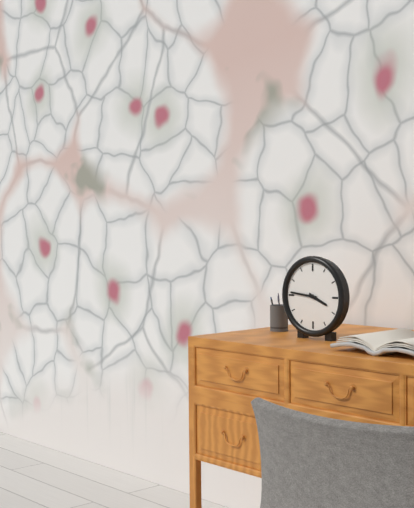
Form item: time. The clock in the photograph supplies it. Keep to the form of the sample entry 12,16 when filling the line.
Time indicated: 3,46
